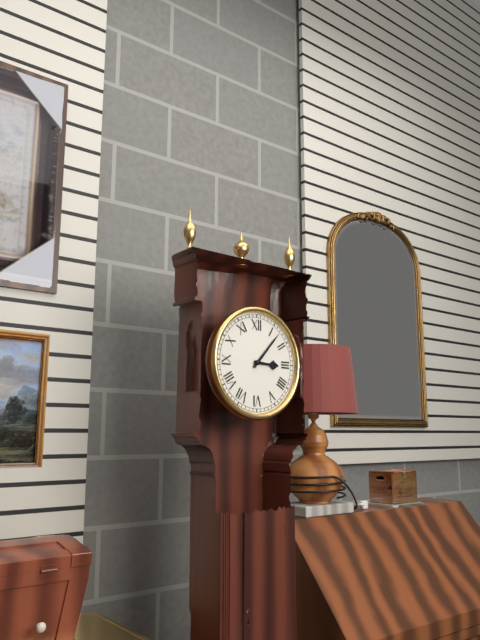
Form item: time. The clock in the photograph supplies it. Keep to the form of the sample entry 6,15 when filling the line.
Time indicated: 3,07
